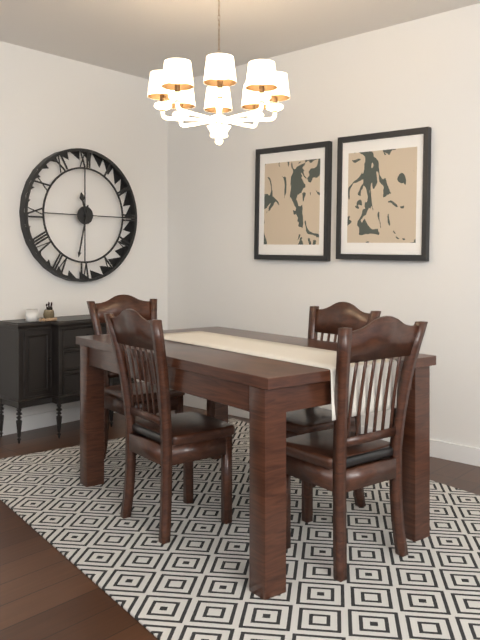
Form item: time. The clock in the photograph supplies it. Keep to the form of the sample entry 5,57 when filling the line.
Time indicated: 11,32
